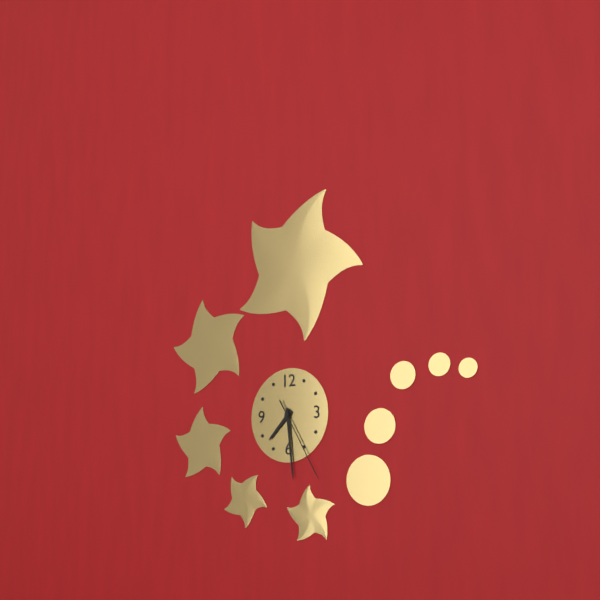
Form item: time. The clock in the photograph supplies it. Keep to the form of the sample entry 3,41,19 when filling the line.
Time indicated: 7,29,25
